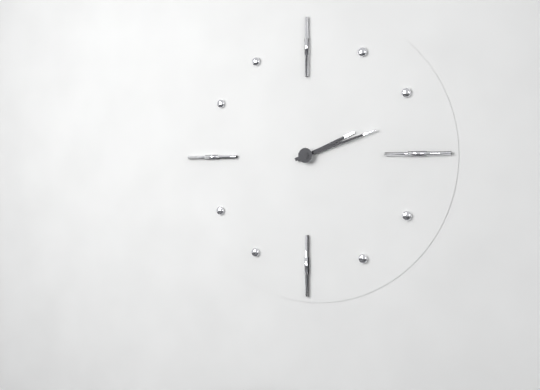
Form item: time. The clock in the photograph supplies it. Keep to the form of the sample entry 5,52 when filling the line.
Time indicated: 2,12
